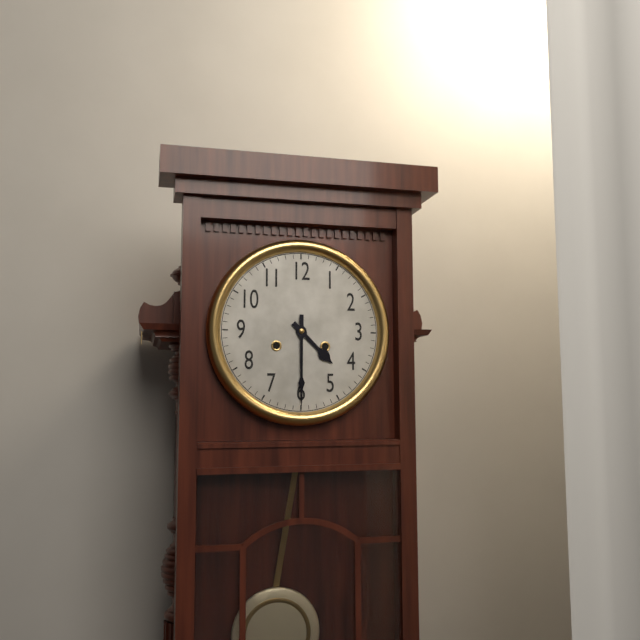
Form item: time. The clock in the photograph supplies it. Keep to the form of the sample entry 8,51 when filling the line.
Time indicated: 4,30
